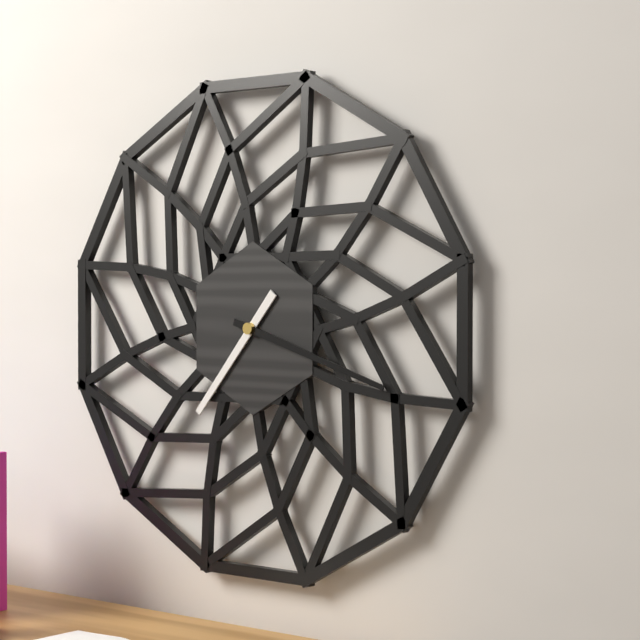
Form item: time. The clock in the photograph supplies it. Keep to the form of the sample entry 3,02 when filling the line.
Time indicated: 7,18
